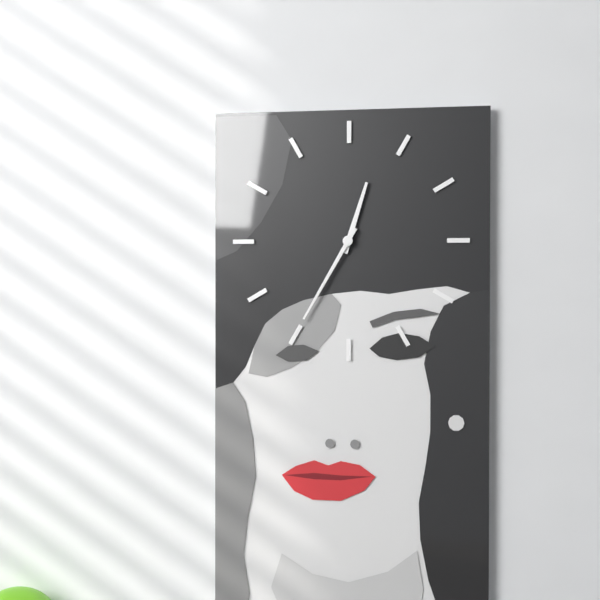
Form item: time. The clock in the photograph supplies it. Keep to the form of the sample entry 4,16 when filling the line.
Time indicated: 12,35
